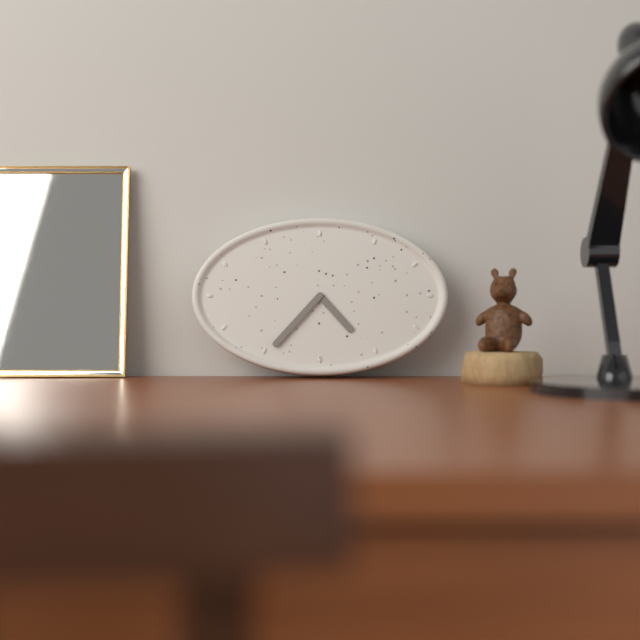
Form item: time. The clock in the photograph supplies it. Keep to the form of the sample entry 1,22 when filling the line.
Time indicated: 4,37
